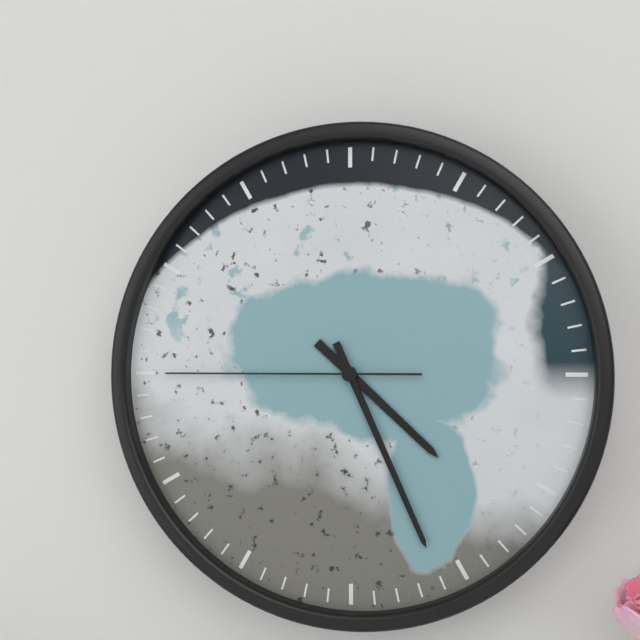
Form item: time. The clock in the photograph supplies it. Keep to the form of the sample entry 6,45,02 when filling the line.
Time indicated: 4,26,45
